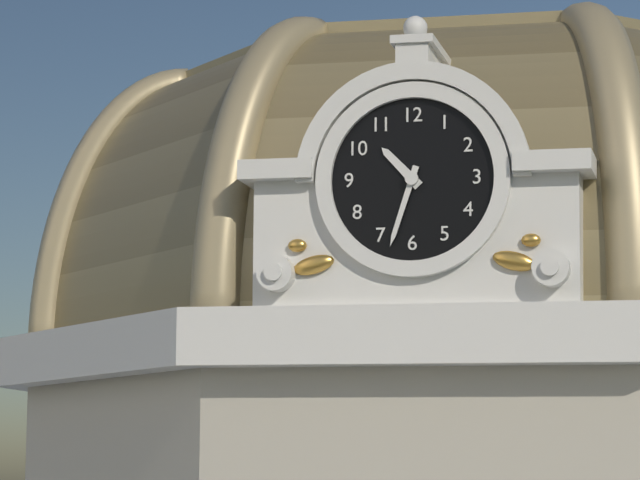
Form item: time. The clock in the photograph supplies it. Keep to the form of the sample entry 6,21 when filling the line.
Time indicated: 10,33
